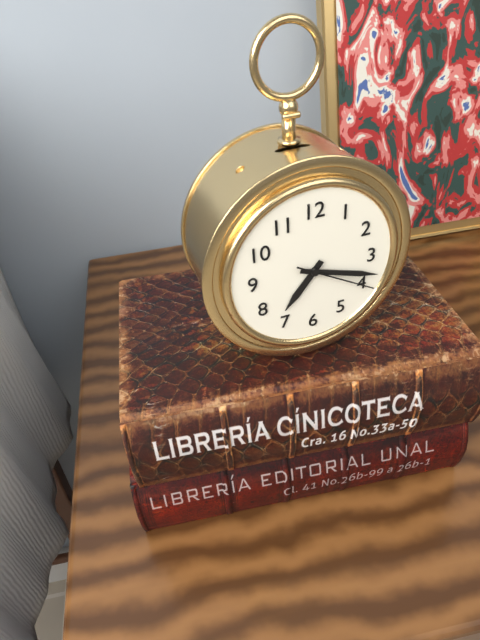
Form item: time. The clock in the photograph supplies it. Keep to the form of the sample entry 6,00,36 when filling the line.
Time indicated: 7,18,20
